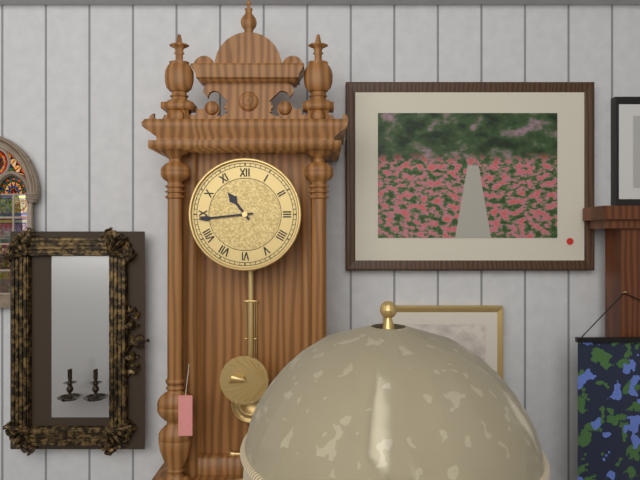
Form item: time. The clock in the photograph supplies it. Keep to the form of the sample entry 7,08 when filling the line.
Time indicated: 10,44
